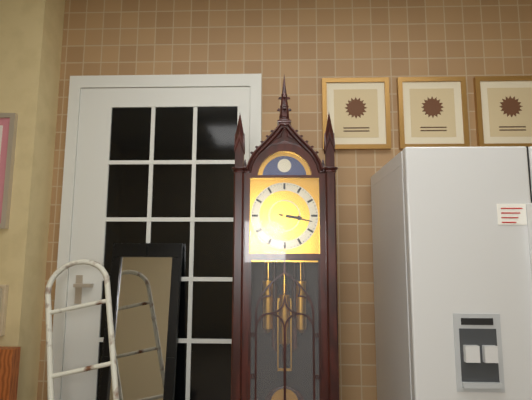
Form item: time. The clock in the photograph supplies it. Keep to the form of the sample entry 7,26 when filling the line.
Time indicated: 3,17
